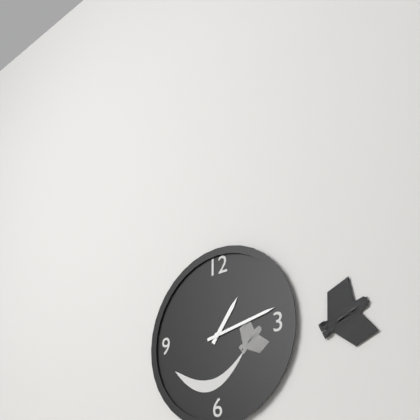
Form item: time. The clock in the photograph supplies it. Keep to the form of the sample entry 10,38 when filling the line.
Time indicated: 1,13
